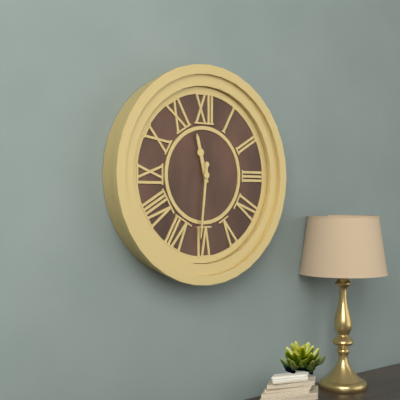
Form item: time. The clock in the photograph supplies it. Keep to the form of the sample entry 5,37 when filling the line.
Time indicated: 11,31
